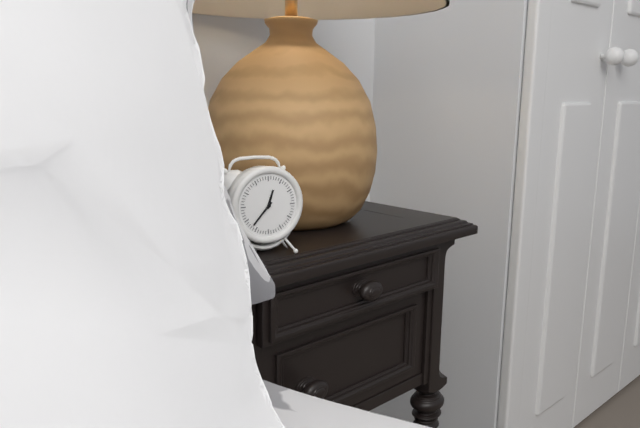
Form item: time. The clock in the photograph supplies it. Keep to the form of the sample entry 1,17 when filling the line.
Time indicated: 12,37
